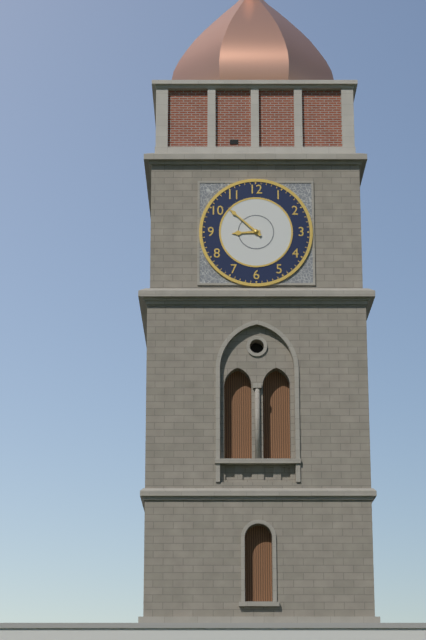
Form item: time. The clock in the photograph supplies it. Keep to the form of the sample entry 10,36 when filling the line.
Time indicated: 8,52
